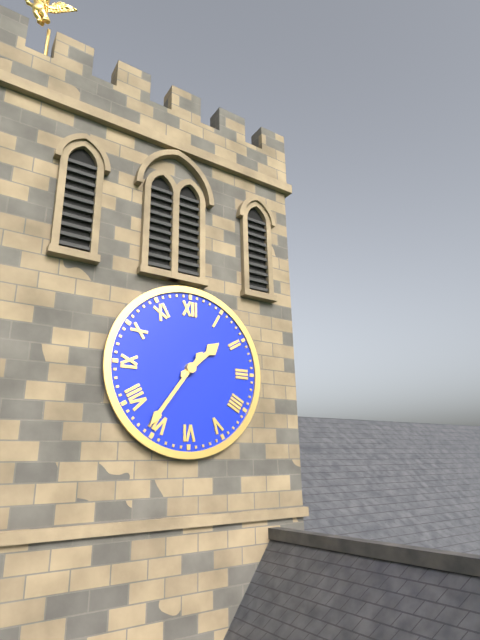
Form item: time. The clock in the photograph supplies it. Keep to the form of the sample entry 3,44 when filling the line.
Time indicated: 1,36
